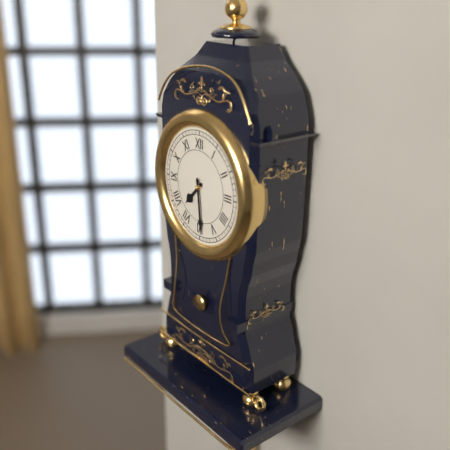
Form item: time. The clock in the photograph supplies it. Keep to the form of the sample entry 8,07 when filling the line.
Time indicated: 7,29
